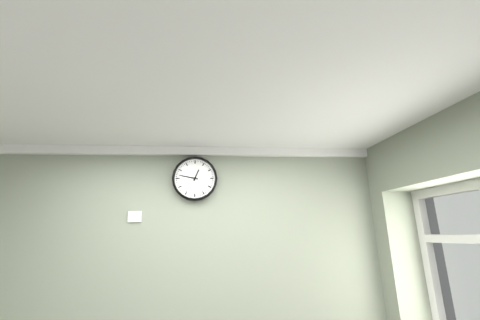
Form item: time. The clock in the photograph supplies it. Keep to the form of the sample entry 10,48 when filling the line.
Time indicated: 12,47
